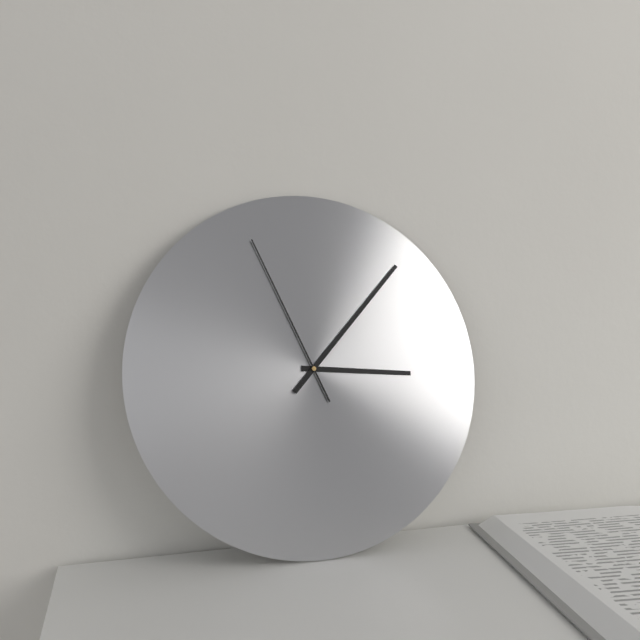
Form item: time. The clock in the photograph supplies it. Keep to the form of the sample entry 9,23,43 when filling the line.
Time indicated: 3,07,56
